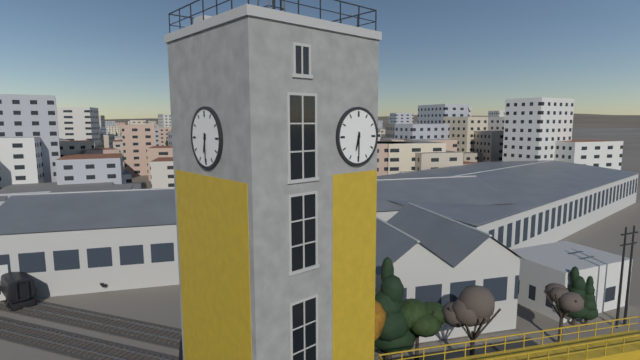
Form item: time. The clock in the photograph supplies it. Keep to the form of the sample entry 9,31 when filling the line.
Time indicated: 6,30
